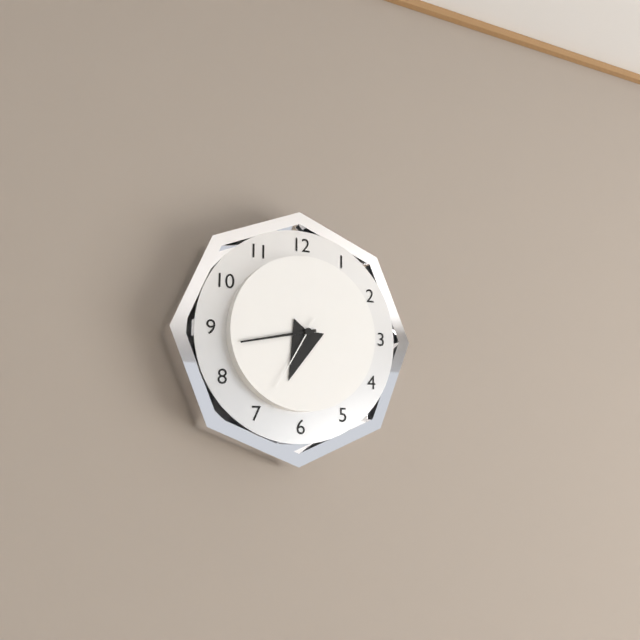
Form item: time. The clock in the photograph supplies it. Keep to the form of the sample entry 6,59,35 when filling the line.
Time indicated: 6,43,35
